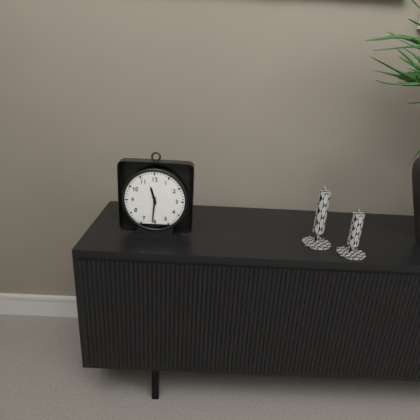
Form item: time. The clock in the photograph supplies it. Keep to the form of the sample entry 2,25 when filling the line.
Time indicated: 11,31
